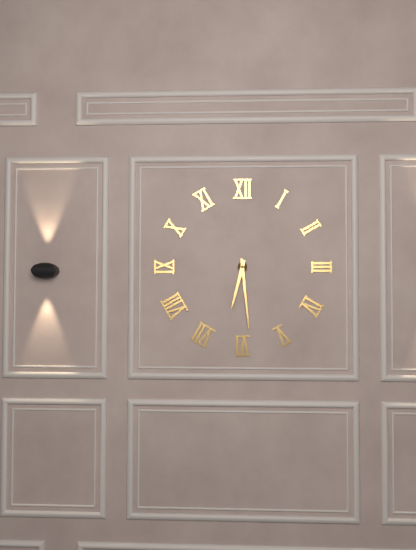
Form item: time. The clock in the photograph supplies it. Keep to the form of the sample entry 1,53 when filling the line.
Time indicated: 6,29
